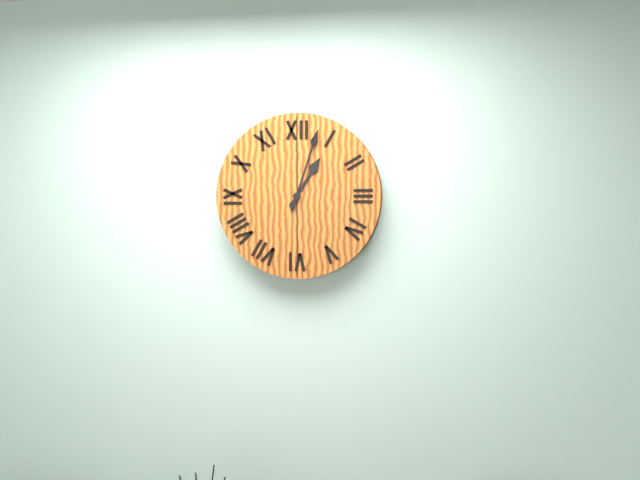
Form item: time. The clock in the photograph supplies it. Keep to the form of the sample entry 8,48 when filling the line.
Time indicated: 1,03
